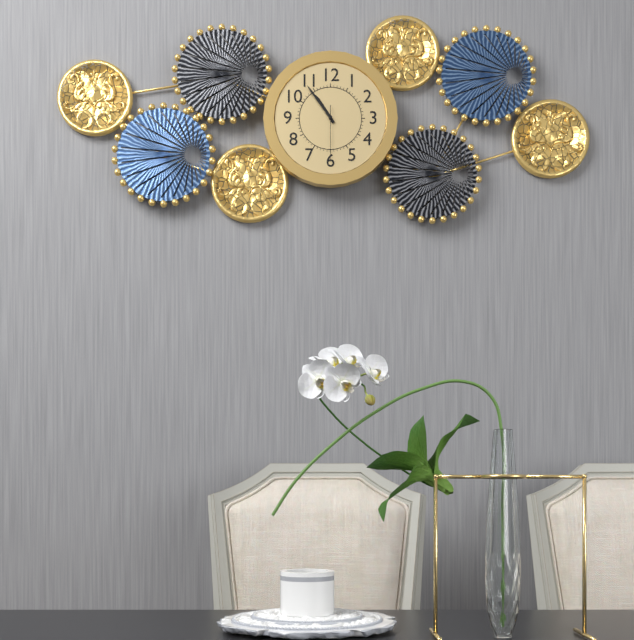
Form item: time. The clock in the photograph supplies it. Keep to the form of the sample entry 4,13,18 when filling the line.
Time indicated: 10,54,30
